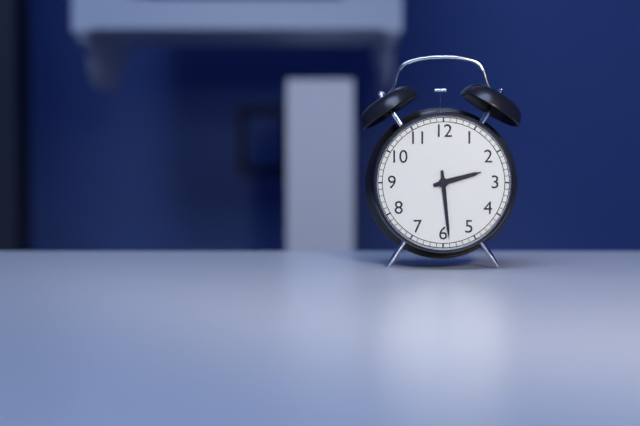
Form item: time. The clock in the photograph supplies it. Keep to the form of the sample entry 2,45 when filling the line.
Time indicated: 2,29
